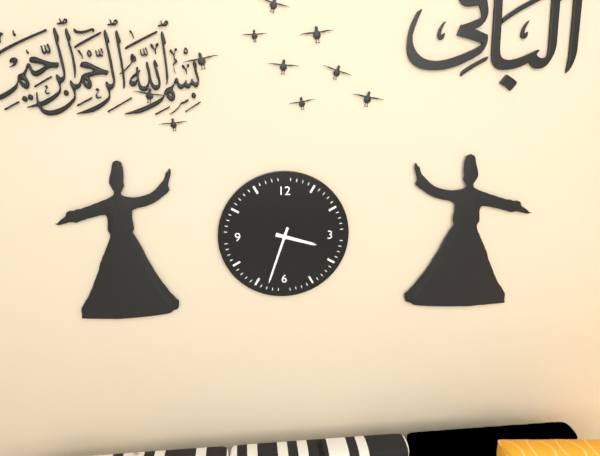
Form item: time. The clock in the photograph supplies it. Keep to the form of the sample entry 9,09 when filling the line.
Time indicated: 3,33
